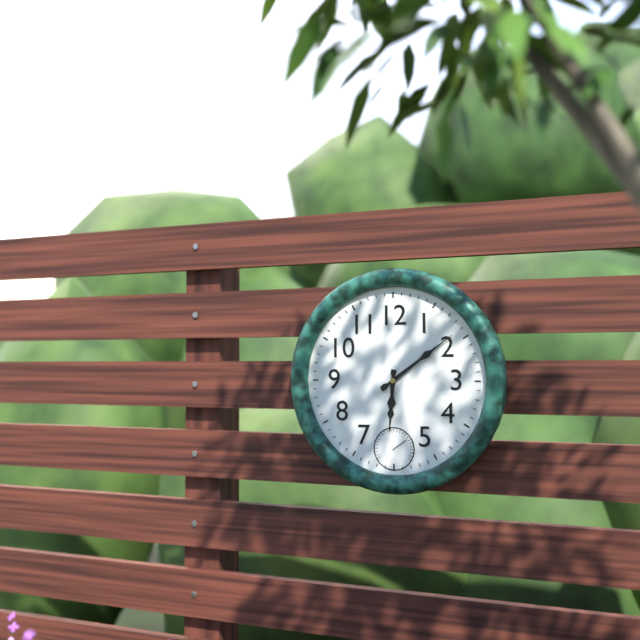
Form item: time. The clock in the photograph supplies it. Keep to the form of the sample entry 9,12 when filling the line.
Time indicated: 6,09
